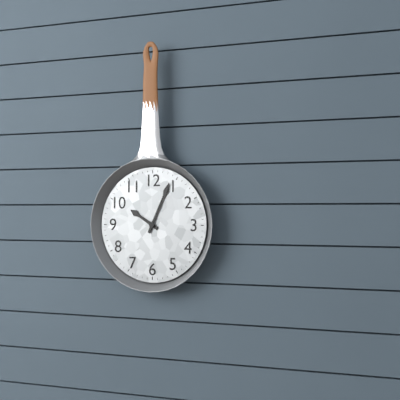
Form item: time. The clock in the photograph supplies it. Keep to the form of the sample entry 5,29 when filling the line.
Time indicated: 10,04
